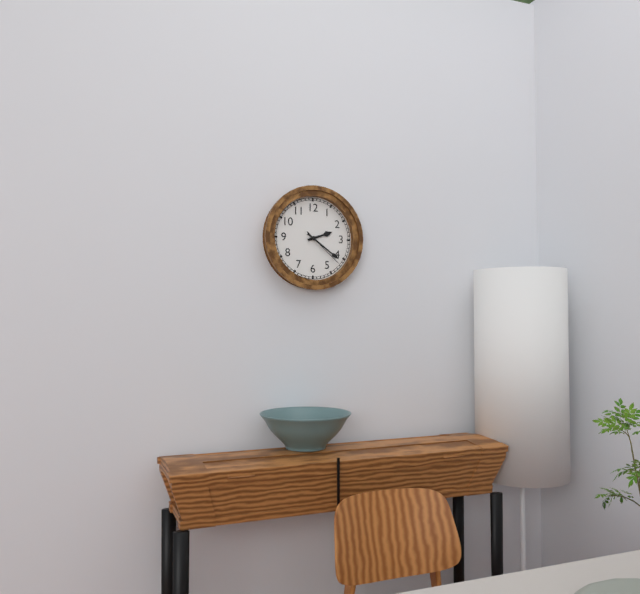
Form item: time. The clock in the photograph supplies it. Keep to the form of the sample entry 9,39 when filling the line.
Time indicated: 2,21
